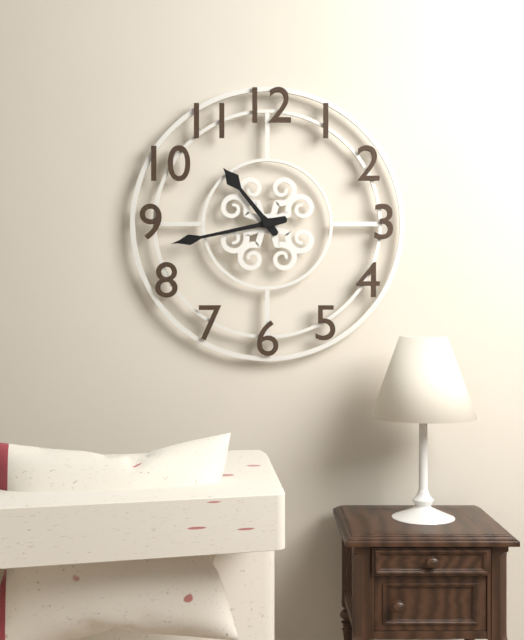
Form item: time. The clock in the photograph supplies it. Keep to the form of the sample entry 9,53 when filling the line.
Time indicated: 10,43
